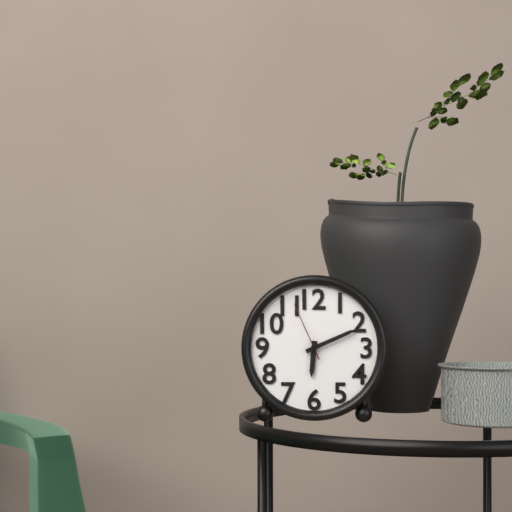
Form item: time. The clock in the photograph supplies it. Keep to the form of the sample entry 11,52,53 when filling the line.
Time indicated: 6,11,56
